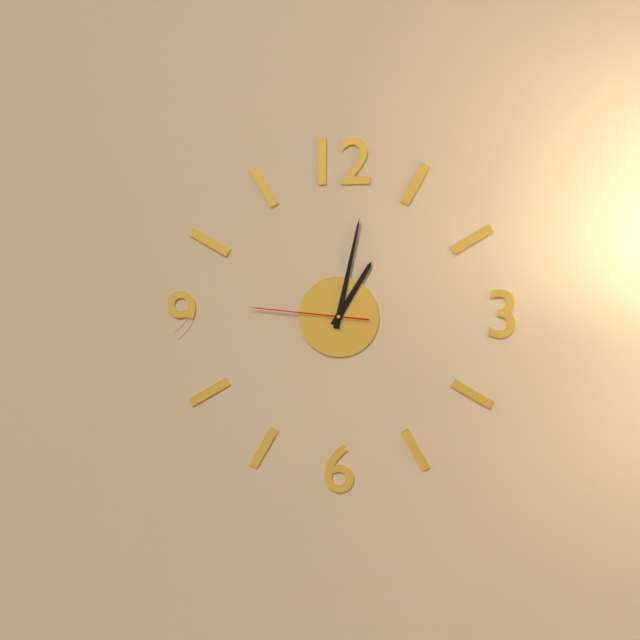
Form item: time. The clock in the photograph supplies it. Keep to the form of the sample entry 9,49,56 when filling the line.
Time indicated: 1,02,46
